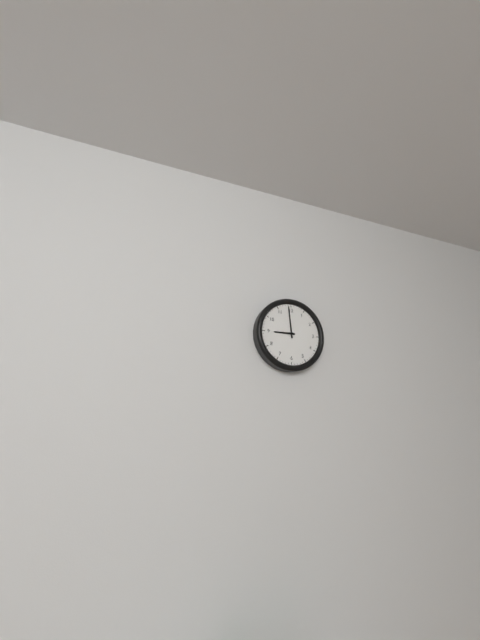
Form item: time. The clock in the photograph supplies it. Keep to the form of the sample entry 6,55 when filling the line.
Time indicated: 8,59
